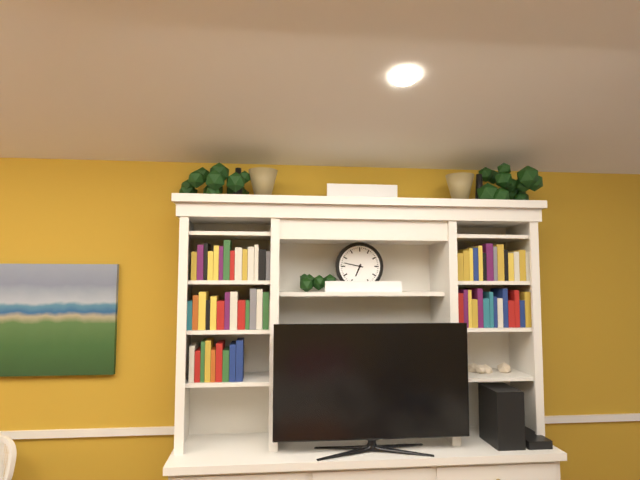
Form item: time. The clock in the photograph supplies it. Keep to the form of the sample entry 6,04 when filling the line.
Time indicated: 6,47
